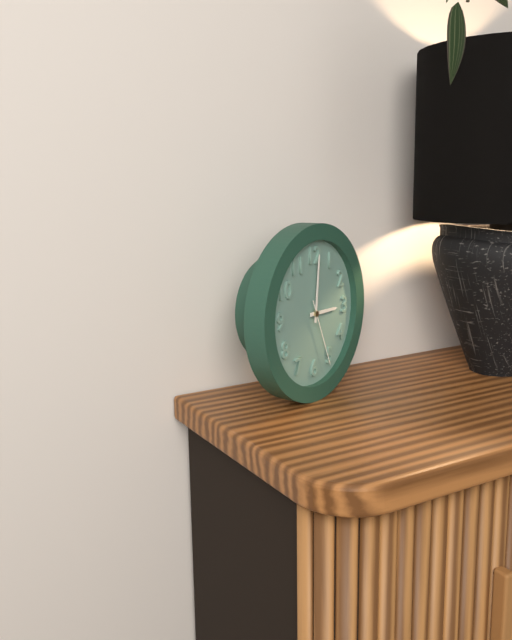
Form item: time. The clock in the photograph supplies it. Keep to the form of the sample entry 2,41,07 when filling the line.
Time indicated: 3,01,26
